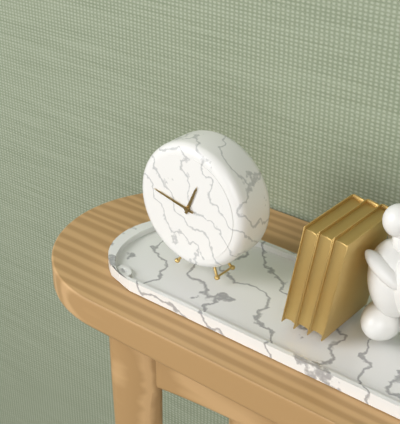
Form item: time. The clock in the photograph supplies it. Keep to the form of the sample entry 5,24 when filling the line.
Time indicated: 12,47
